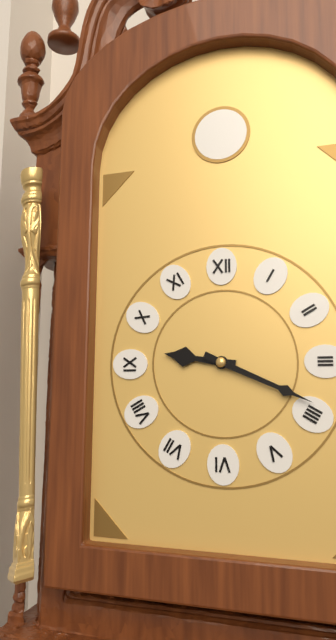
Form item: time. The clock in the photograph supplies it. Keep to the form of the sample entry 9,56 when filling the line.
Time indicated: 9,19
